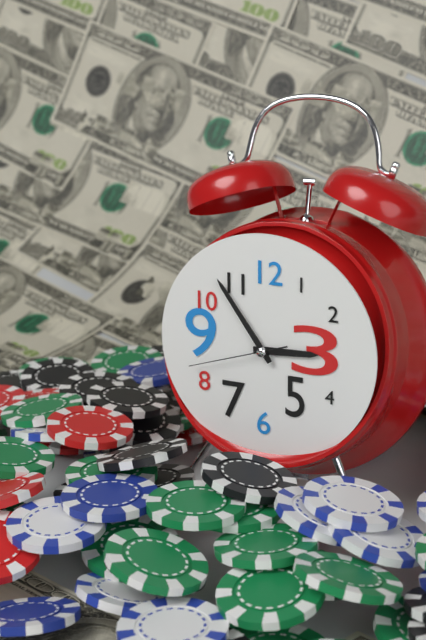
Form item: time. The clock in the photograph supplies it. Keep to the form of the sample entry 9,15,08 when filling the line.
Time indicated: 2,54,42
